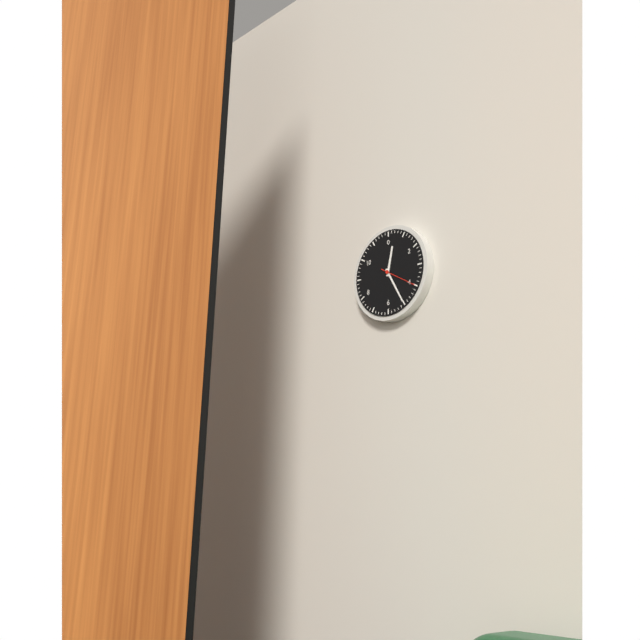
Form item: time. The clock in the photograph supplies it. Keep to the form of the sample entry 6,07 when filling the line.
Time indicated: 12,25
